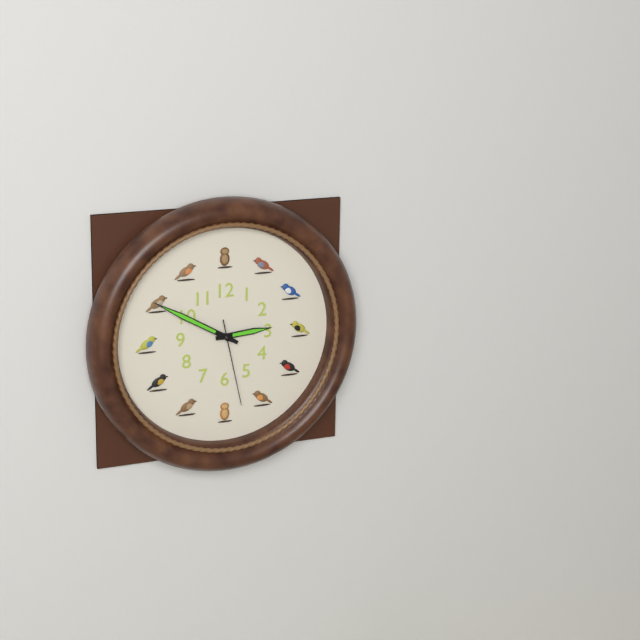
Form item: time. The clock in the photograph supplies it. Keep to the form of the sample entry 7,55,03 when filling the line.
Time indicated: 2,50,28
